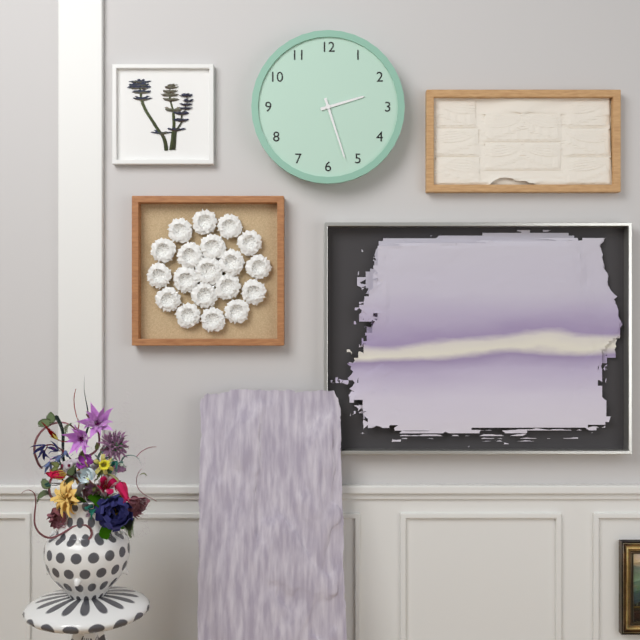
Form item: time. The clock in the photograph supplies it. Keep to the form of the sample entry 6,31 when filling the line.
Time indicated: 2,27
